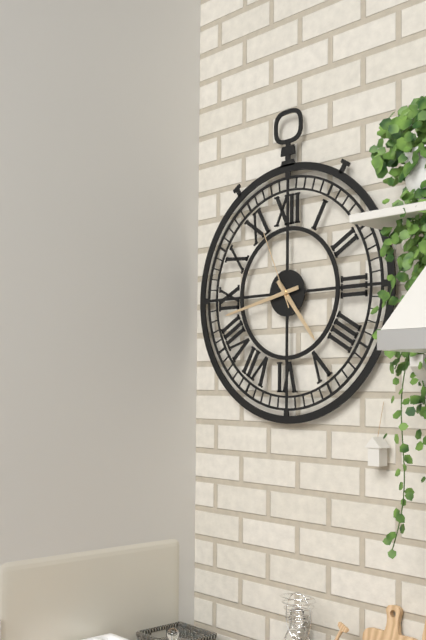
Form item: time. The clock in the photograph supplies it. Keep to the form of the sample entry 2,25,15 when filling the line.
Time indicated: 4,43,56
